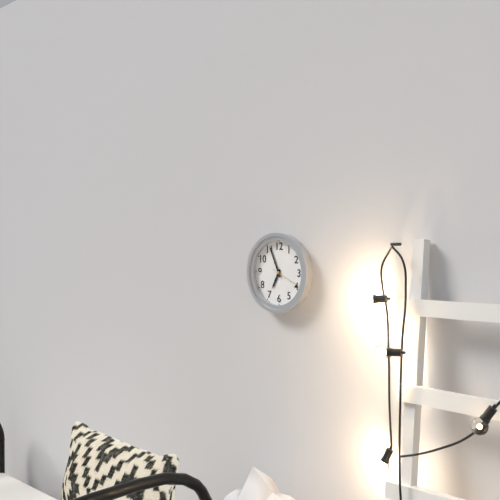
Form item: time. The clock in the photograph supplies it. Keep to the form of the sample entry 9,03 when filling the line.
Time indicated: 6,56
